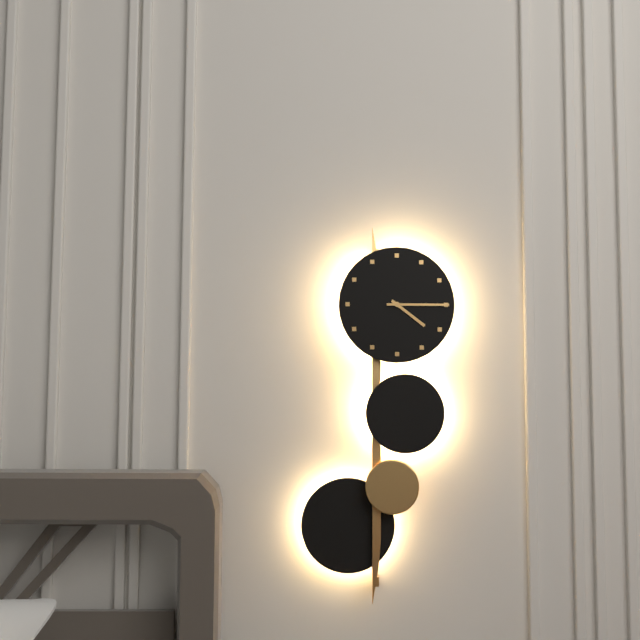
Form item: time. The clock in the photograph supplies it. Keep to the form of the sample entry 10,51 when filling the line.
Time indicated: 4,15
